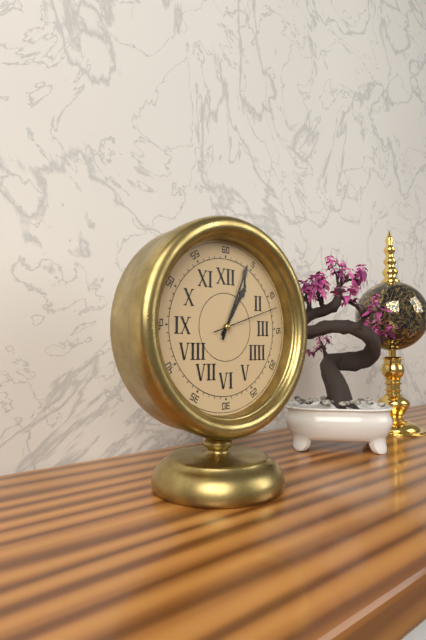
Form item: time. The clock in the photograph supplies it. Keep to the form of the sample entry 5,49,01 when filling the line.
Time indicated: 1,04,12
